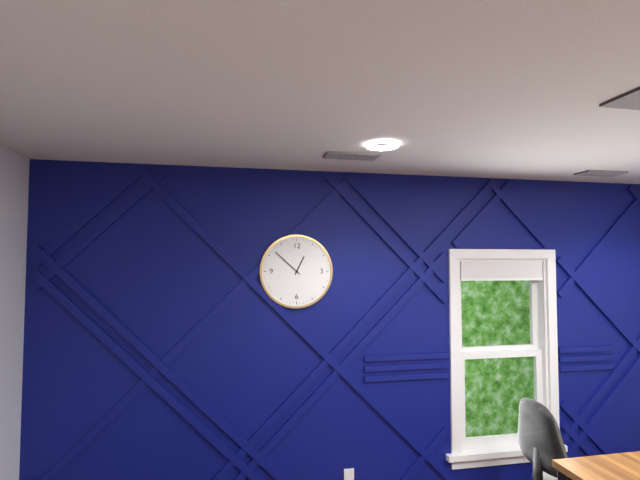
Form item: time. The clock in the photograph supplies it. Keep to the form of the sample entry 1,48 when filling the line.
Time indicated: 12,52
